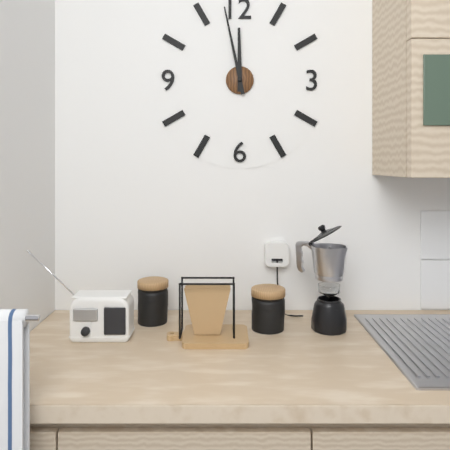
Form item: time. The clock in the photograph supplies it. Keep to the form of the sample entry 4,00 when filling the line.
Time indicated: 11,58
